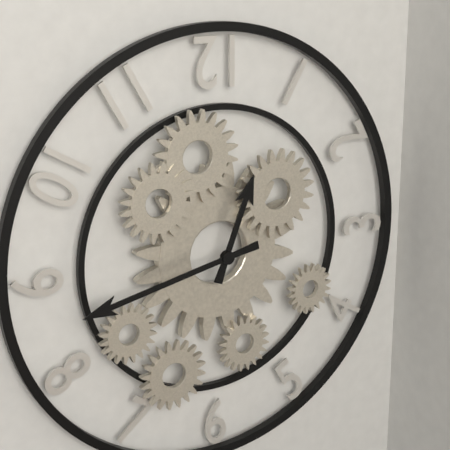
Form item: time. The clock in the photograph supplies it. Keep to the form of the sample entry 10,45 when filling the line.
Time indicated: 12,43
